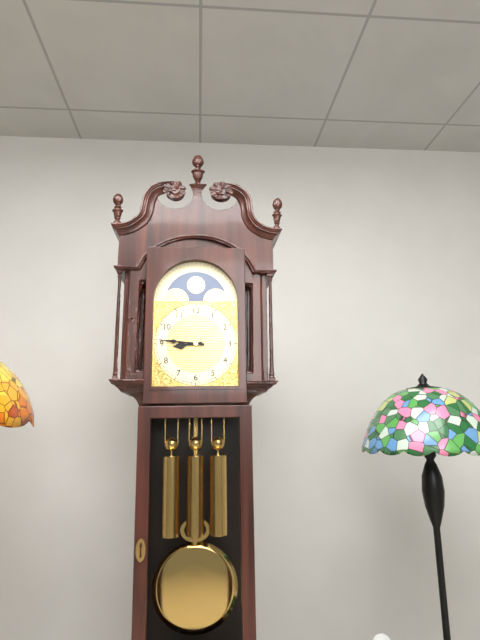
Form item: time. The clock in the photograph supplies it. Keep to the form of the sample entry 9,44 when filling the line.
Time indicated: 8,46
